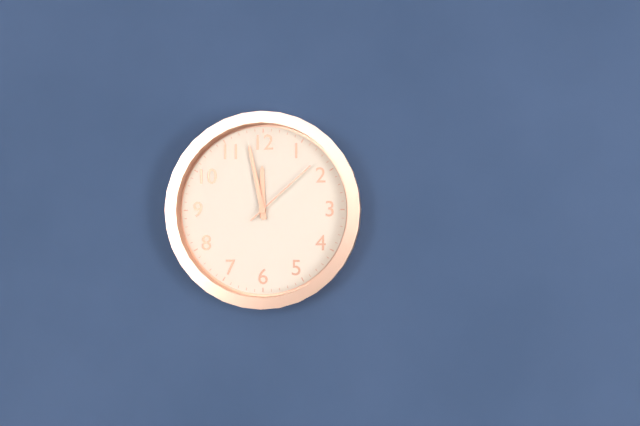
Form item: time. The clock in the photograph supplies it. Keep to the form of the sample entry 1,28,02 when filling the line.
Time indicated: 11,58,08
